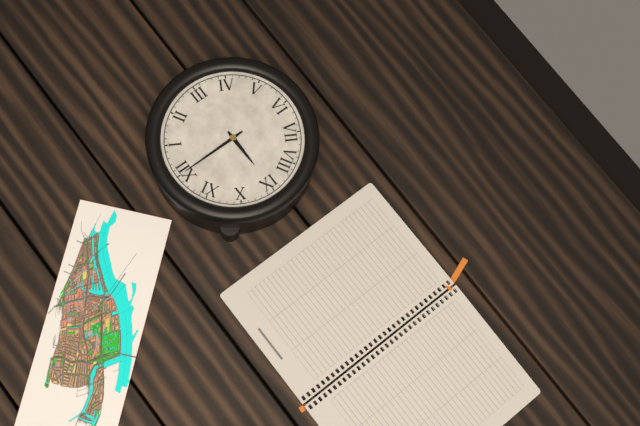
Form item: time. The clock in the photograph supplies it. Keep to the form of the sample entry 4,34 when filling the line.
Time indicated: 9,00
